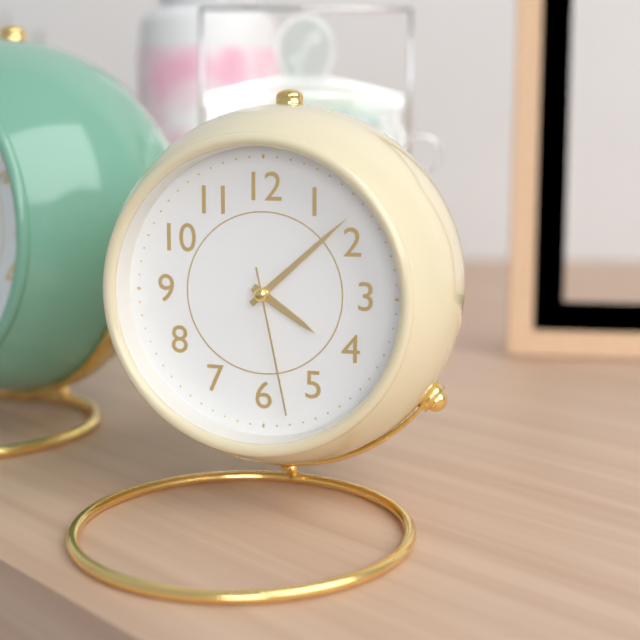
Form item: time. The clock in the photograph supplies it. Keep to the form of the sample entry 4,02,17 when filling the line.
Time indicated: 4,08,28
